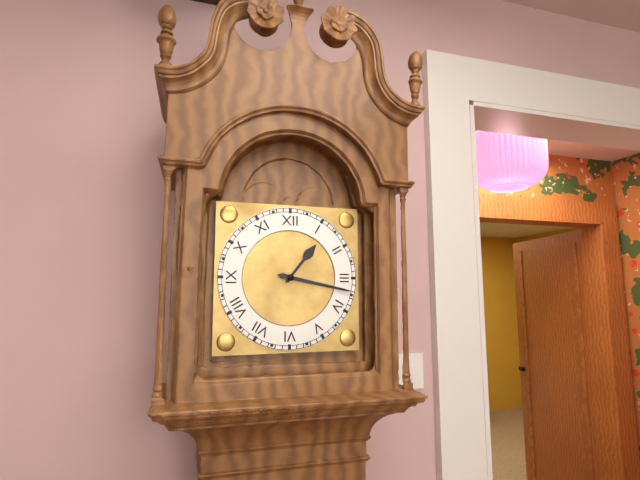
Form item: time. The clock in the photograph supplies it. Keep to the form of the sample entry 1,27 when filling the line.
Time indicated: 1,17
